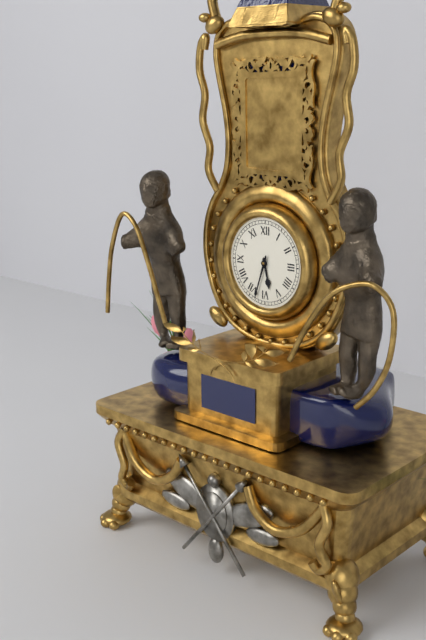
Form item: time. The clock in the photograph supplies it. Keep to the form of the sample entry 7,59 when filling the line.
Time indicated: 5,33
